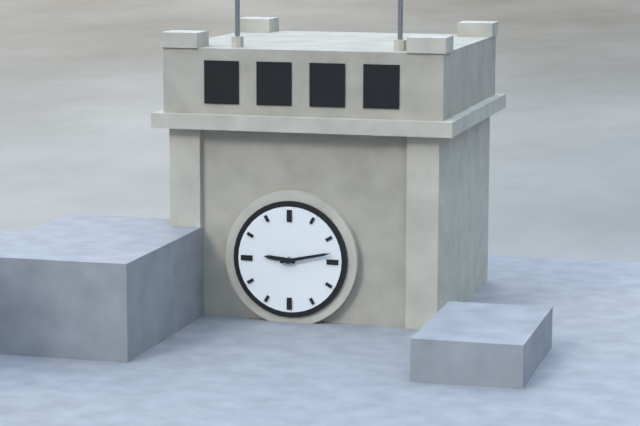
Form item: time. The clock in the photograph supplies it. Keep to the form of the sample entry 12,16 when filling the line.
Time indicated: 9,13
